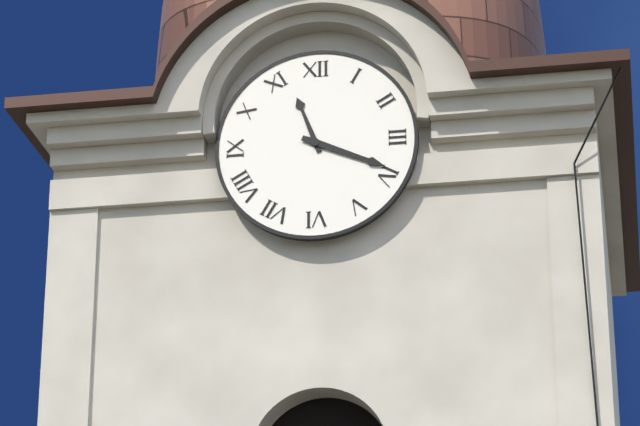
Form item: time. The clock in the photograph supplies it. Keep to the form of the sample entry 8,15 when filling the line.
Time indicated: 11,19
